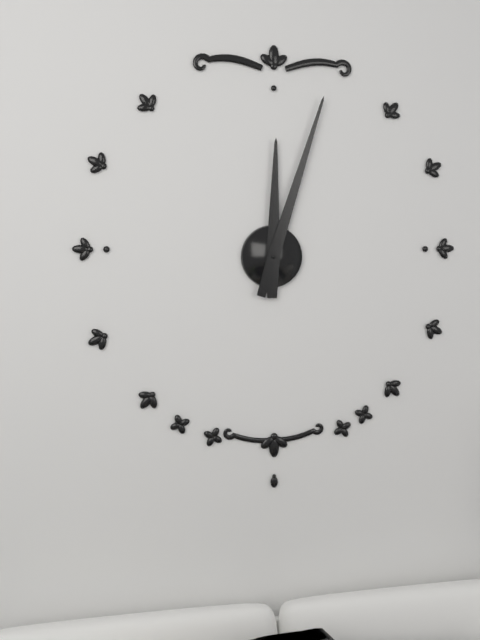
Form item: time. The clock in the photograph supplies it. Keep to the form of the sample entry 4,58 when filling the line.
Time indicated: 12,03
